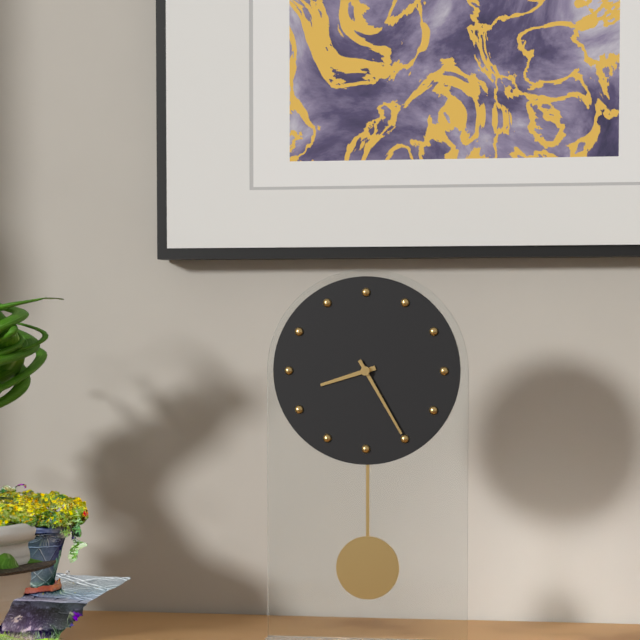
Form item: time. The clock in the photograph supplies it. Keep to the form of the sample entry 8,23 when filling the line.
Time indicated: 8,25
